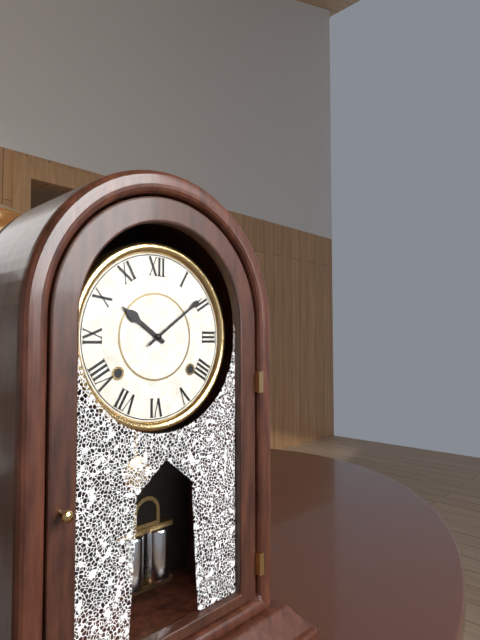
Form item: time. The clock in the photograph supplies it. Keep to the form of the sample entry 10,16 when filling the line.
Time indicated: 10,09
